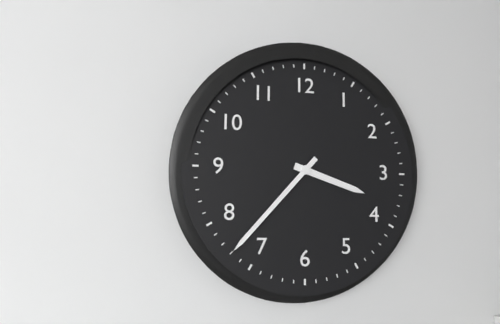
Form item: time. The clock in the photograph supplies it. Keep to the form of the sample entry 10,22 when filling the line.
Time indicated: 3,37
